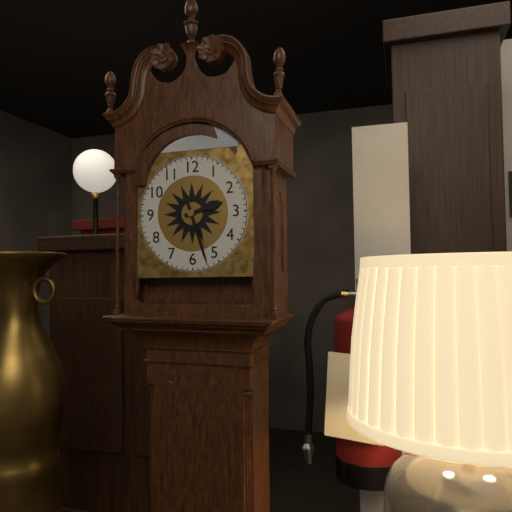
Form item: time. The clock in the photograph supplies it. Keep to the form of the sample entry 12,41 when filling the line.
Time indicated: 2,27
